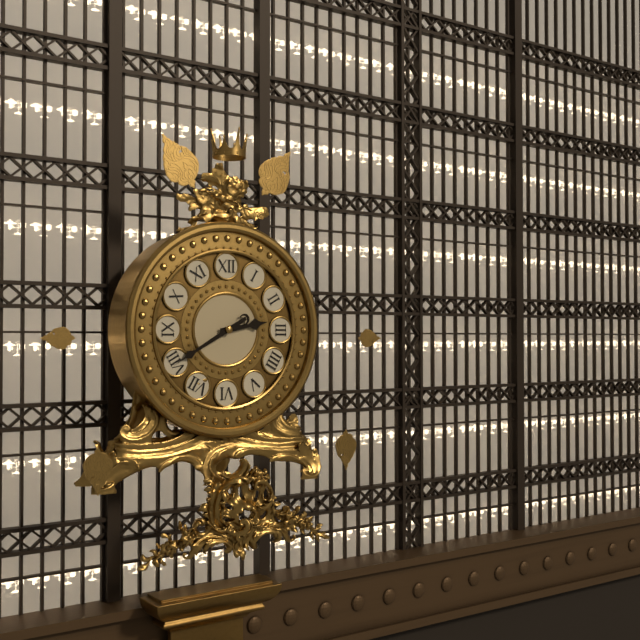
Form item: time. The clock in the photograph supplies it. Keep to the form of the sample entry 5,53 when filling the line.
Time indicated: 2,40
